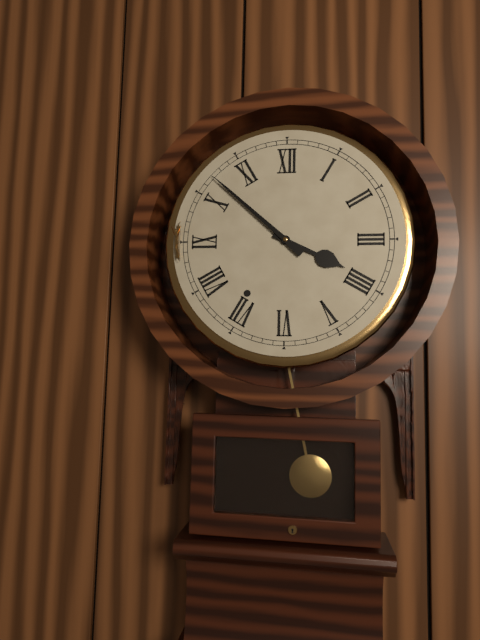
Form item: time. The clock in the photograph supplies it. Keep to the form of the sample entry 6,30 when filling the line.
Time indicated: 3,52
